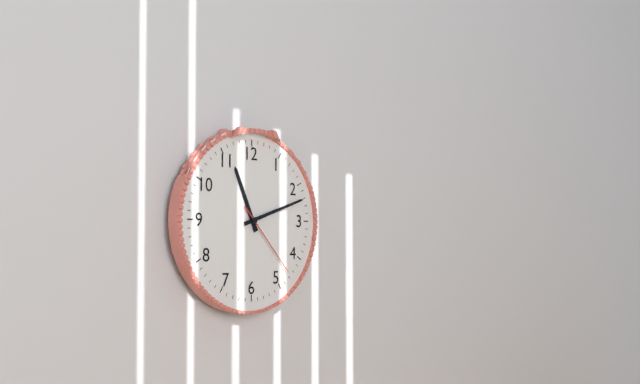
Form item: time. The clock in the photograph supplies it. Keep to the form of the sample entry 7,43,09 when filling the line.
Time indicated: 11,12,23
